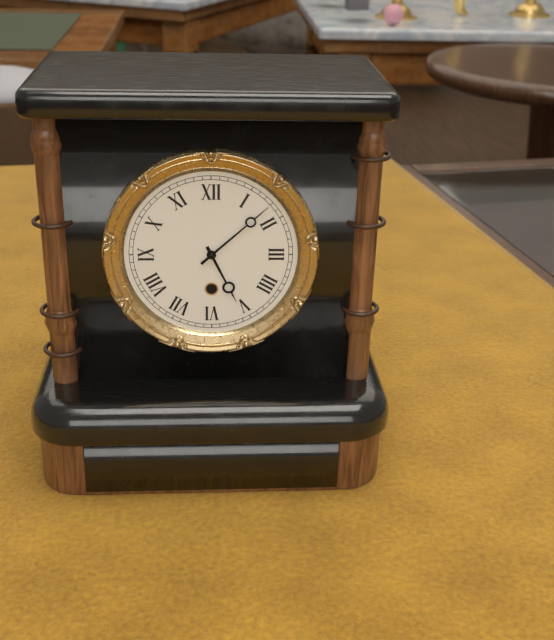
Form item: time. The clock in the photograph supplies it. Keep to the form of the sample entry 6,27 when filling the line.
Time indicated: 5,08
